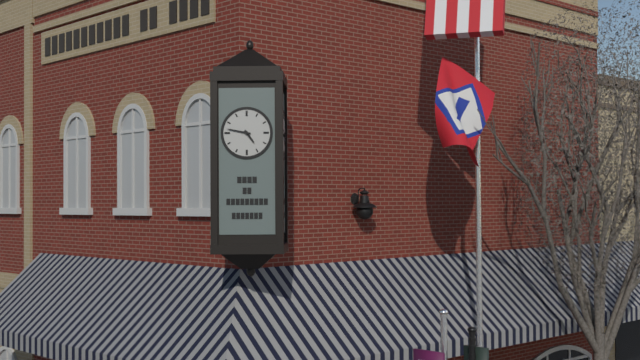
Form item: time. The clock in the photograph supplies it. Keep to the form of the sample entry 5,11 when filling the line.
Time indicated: 4,47
